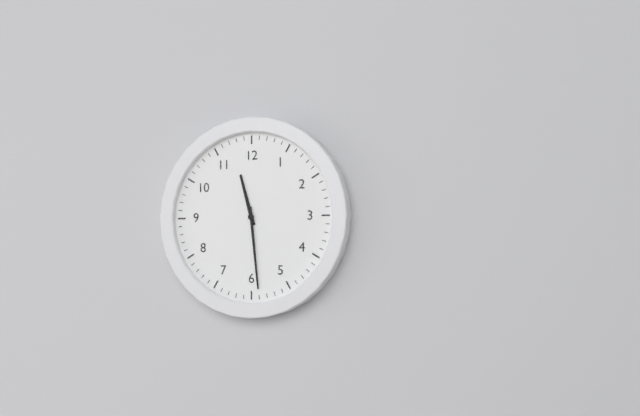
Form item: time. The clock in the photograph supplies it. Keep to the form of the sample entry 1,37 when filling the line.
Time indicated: 11,29
